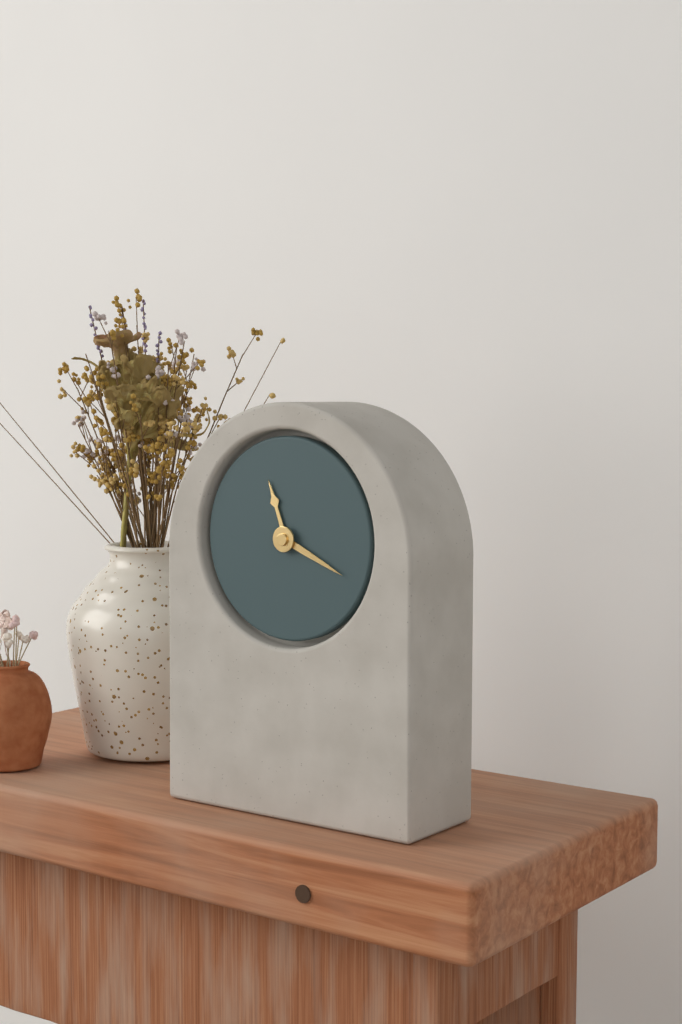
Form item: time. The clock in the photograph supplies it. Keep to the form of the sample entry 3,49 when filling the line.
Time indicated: 11,19
